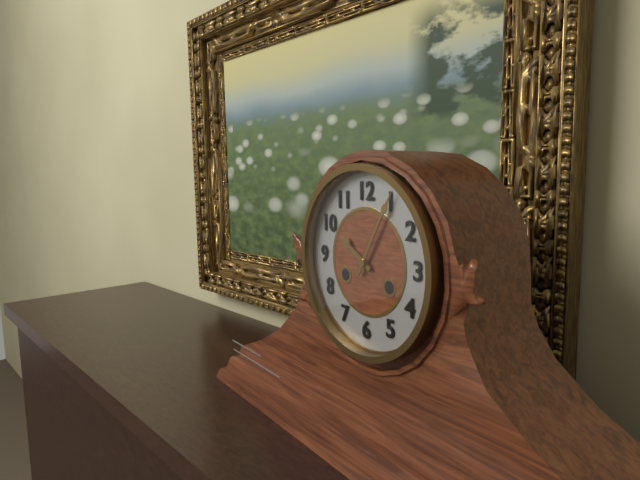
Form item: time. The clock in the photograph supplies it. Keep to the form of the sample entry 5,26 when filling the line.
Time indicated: 10,05
